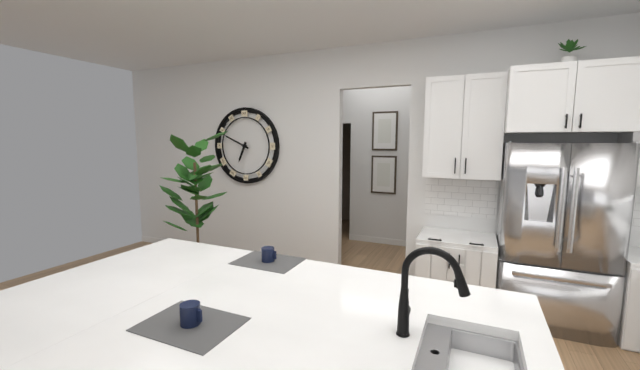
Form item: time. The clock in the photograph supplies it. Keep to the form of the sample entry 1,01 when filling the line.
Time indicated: 6,49
